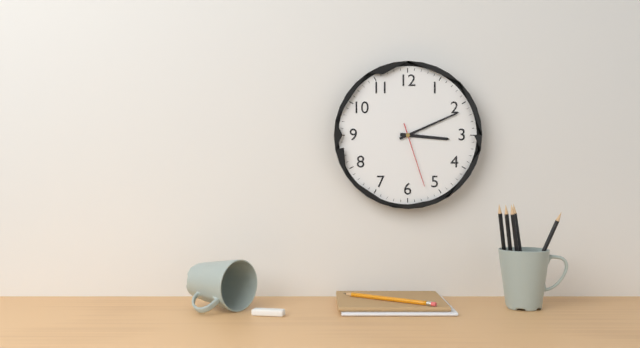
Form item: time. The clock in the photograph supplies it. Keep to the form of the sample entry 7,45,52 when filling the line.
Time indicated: 3,11,27
